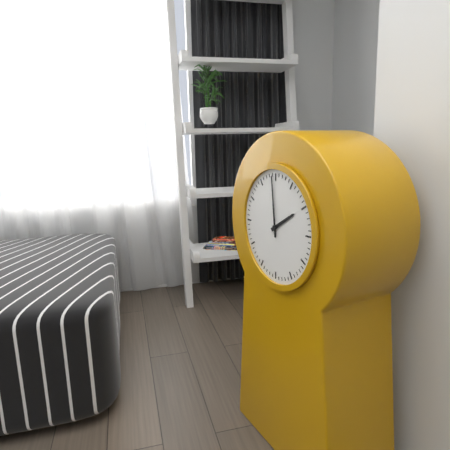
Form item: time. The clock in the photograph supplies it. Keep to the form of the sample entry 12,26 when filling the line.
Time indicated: 1,59
